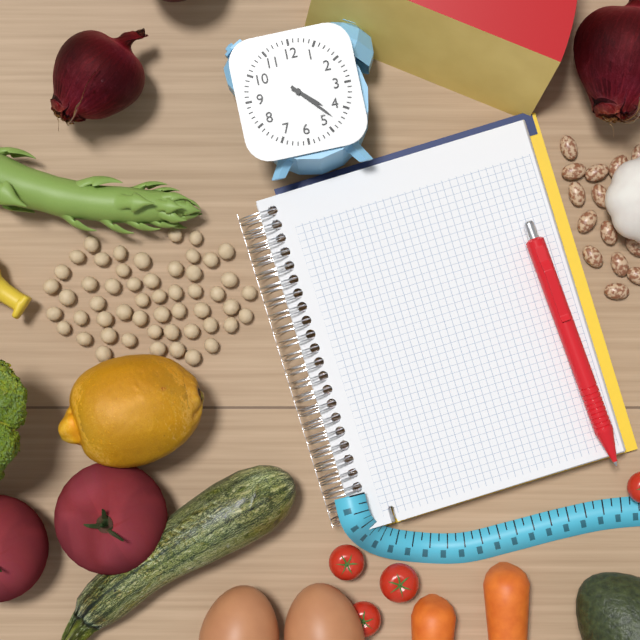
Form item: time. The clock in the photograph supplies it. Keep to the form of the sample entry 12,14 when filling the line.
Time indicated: 4,23
